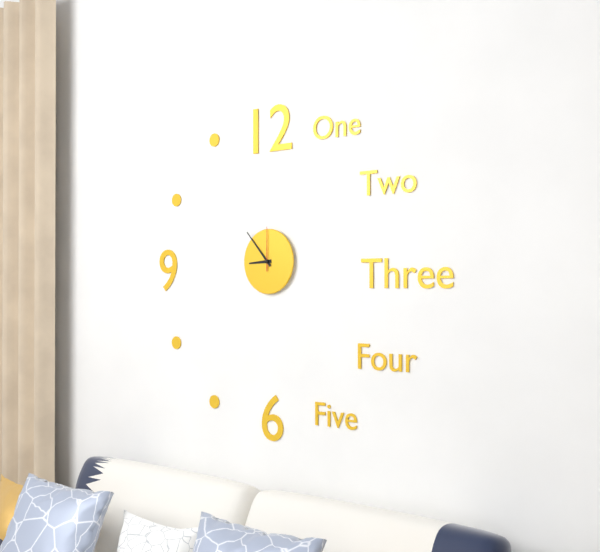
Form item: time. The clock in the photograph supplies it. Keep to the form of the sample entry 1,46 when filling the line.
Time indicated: 8,53
